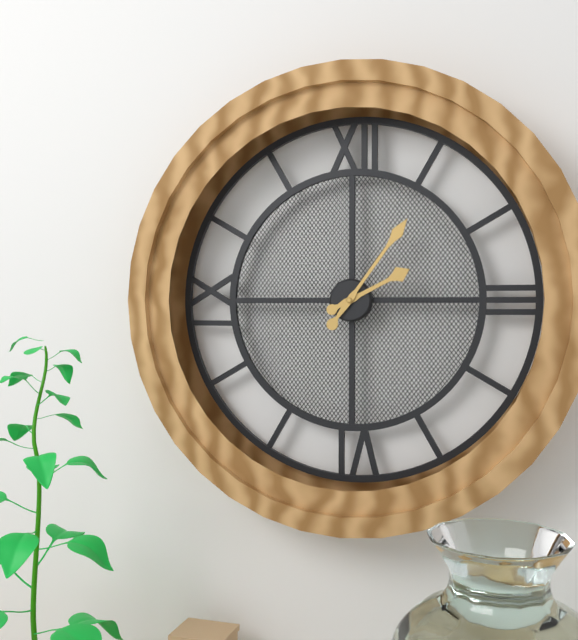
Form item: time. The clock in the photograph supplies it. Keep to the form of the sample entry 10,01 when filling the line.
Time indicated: 2,06
